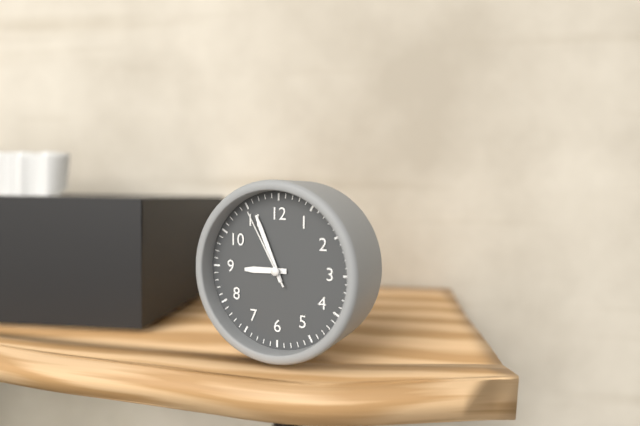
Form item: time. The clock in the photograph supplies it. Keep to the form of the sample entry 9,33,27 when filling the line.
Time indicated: 8,56,55
